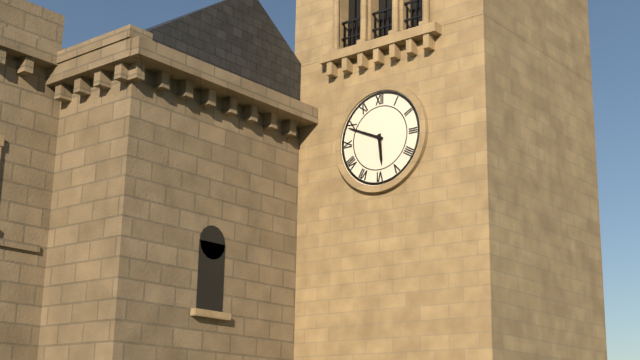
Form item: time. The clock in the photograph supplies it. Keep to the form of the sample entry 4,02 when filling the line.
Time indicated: 5,49
